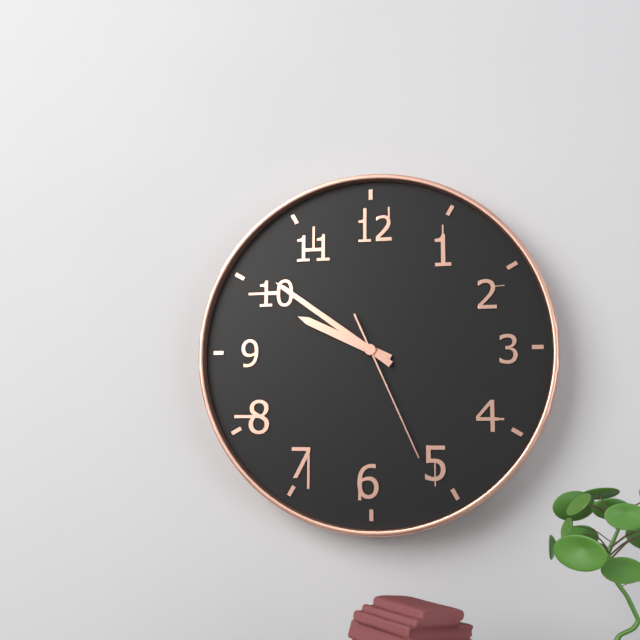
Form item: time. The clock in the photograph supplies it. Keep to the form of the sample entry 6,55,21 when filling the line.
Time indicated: 9,51,26
